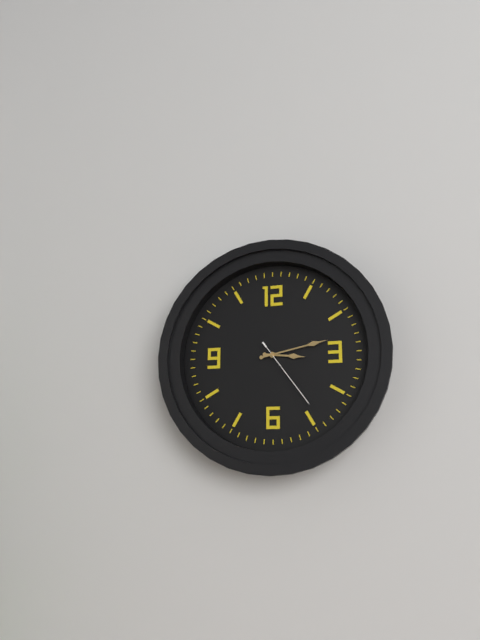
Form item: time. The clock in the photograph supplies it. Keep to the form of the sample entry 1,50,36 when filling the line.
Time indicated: 3,13,24
